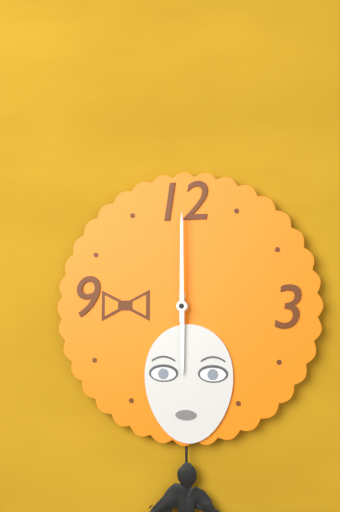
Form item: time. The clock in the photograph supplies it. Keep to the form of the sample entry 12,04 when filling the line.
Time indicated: 6,00
